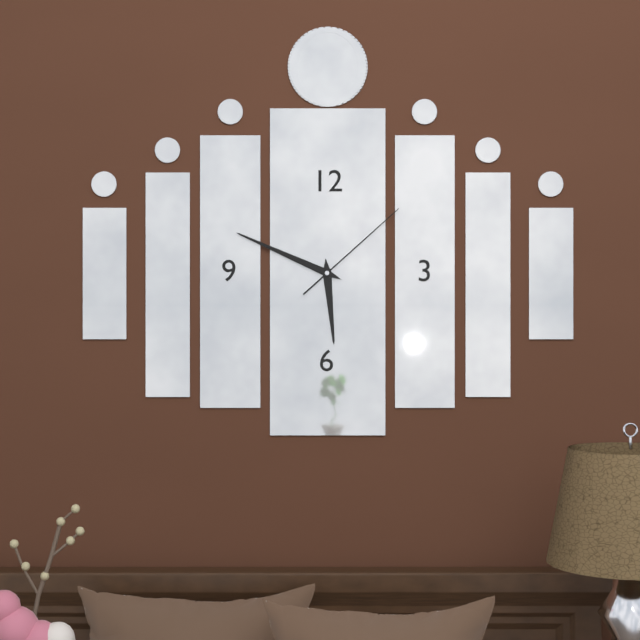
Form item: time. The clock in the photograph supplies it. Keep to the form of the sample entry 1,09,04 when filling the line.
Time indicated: 5,49,08
